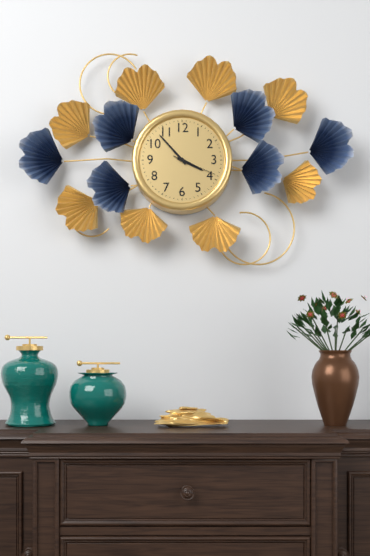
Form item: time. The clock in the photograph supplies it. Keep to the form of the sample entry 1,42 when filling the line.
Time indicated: 3,53
